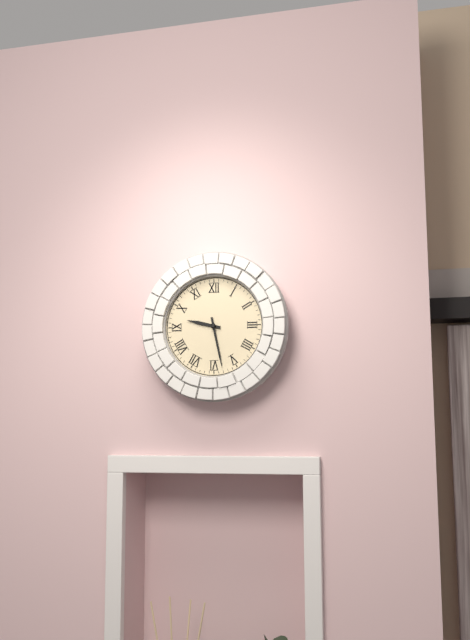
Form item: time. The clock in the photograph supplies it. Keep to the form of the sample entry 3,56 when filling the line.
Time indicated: 9,28
